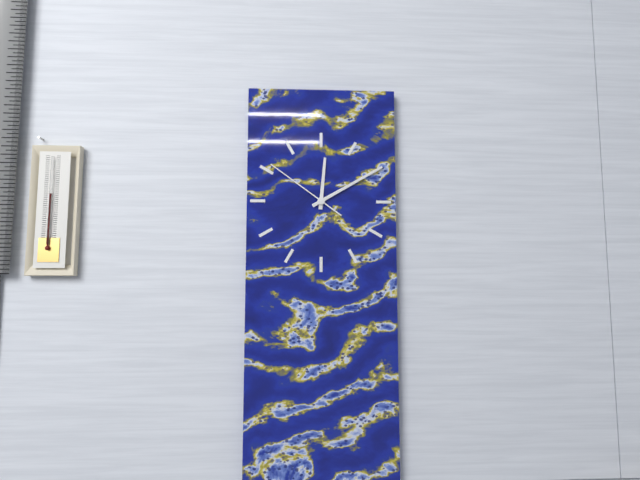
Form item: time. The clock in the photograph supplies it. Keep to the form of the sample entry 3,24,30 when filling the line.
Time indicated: 12,10,51
